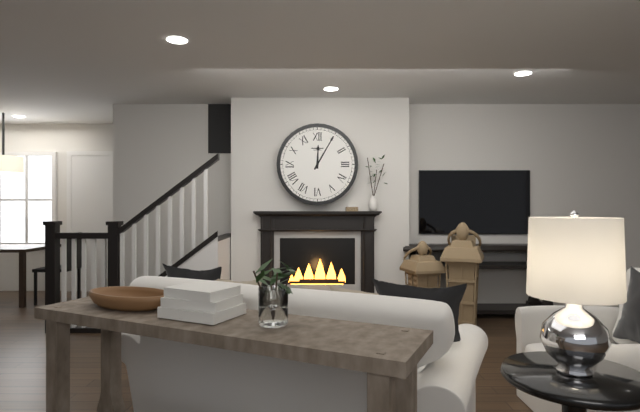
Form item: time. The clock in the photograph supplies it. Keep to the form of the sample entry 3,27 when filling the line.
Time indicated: 12,05
